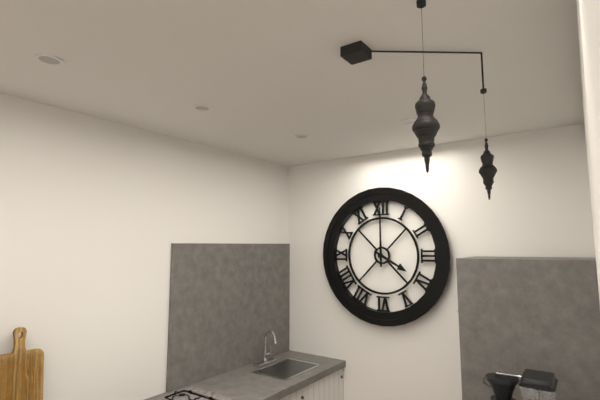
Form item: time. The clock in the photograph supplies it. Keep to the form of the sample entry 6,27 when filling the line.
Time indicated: 4,00
